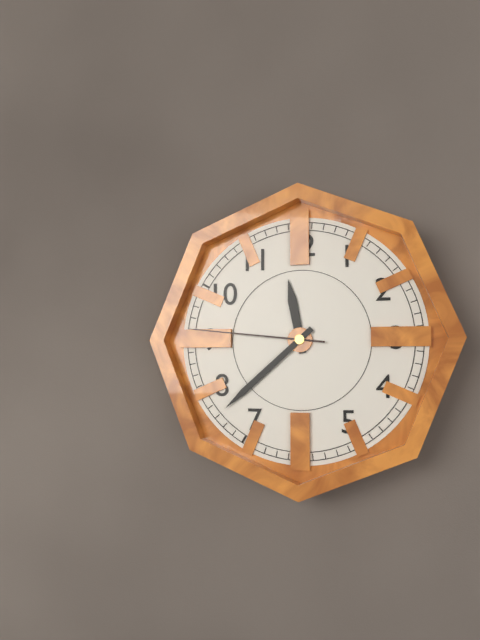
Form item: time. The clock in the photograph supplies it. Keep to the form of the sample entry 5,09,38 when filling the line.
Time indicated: 11,38,46
